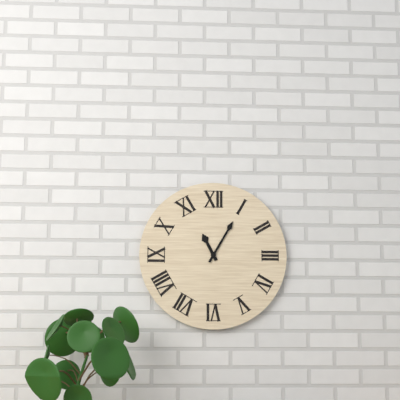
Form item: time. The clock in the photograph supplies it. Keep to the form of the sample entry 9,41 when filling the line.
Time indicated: 11,05
